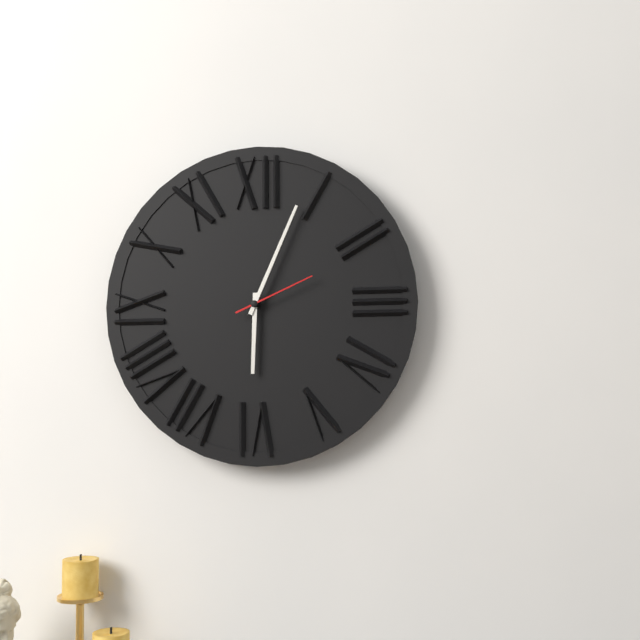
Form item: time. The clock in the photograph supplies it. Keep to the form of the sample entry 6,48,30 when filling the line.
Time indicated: 6,04,11
